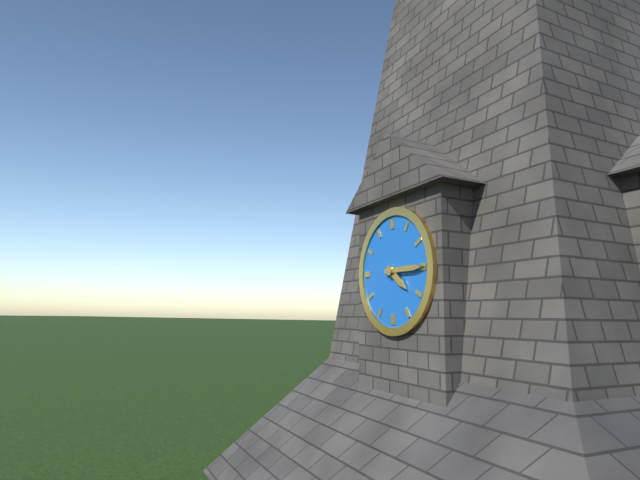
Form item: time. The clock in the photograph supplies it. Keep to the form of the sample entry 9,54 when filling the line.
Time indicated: 4,15
